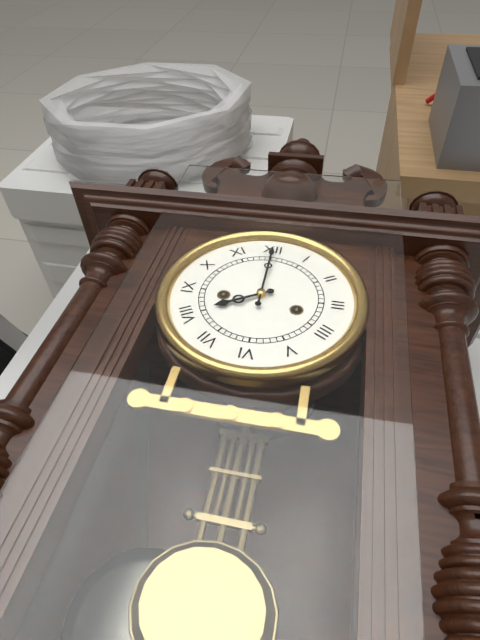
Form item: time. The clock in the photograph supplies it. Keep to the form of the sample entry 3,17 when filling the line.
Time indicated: 8,00
